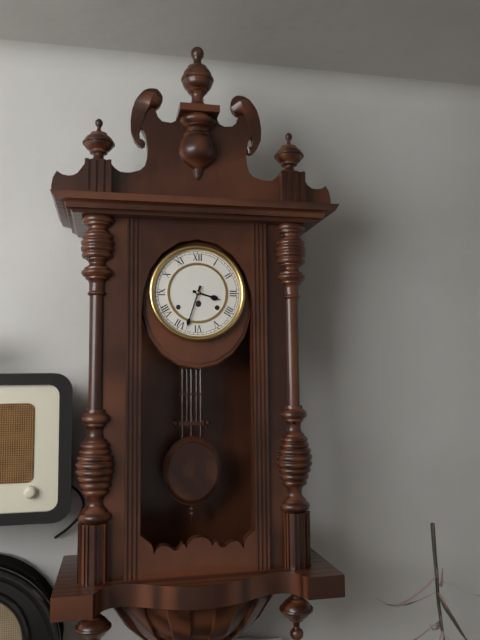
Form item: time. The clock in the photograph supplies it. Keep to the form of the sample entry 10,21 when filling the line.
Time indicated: 3,33
